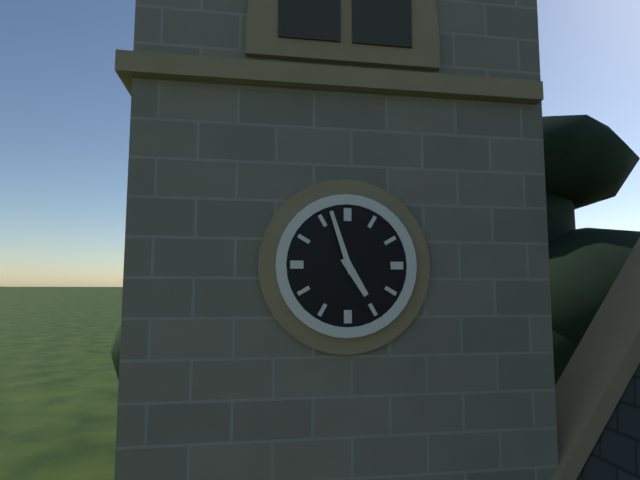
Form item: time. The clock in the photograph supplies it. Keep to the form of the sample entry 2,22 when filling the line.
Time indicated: 4,57
